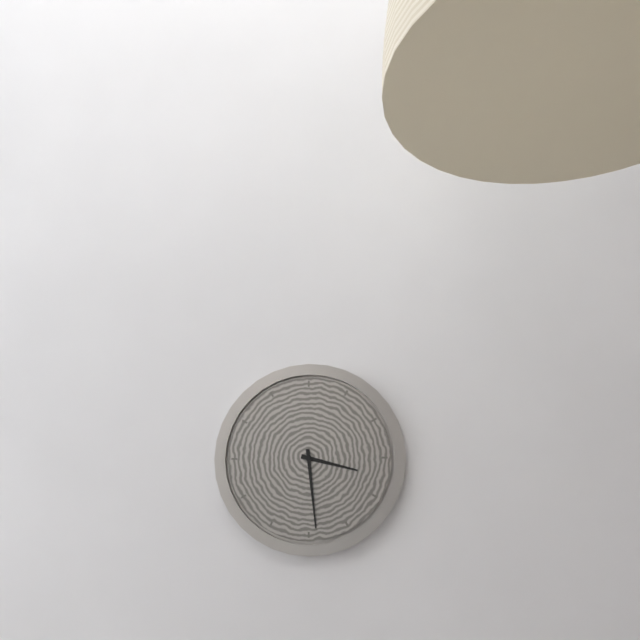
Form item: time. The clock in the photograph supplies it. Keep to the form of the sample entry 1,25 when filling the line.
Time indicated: 3,29
